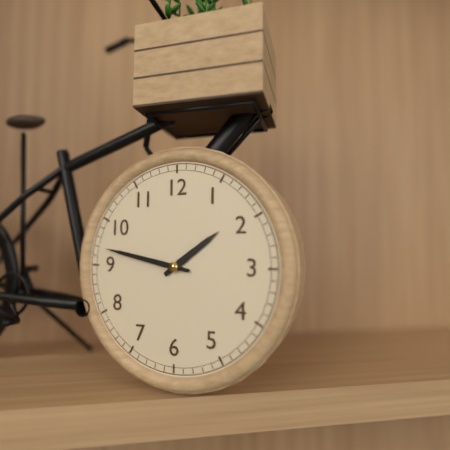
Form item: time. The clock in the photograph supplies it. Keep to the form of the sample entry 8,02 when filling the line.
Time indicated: 1,47
